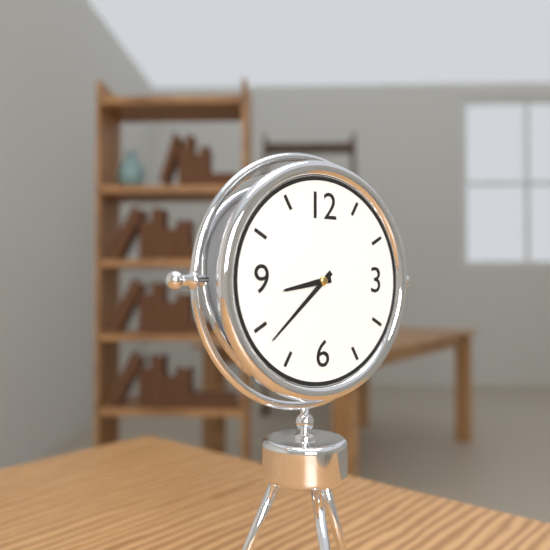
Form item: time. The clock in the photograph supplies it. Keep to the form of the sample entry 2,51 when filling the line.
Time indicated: 8,38
